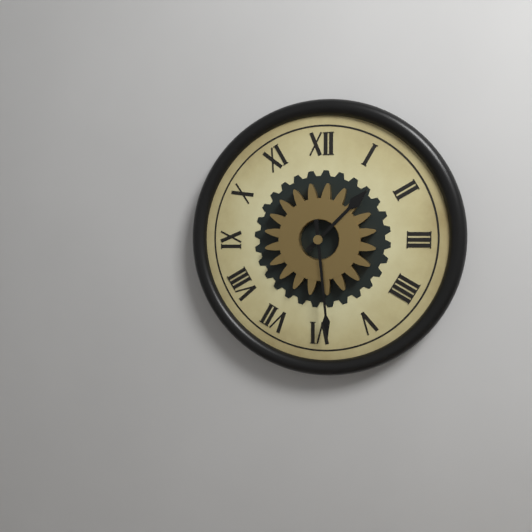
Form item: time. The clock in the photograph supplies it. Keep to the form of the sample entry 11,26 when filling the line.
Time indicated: 1,29
